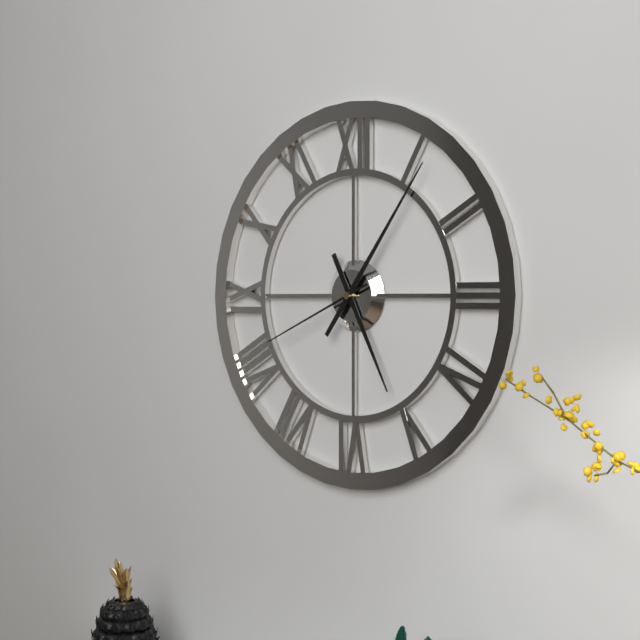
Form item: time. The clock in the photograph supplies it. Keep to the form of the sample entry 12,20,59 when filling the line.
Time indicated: 5,06,41
